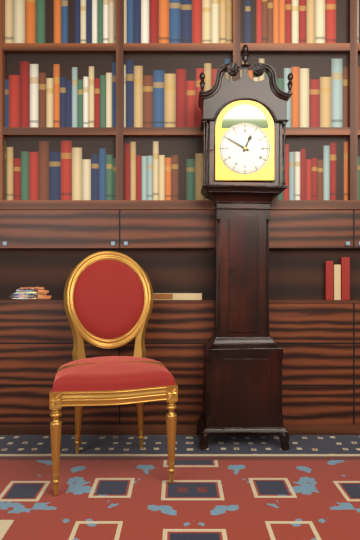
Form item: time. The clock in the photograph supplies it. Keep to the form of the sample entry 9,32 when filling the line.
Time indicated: 12,50
